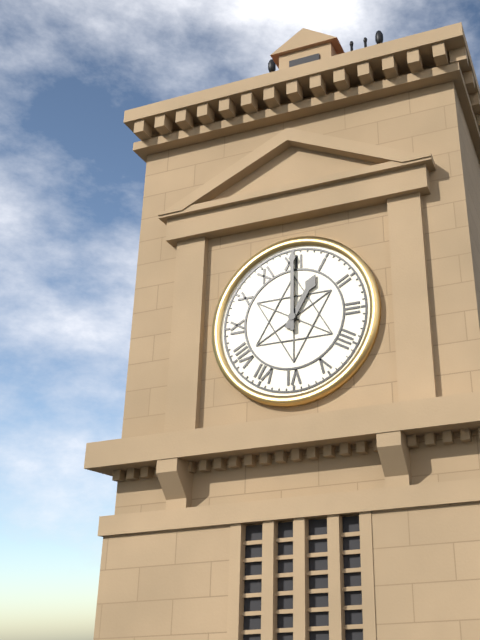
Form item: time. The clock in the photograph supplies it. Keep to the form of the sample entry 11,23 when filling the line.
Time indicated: 1,00
